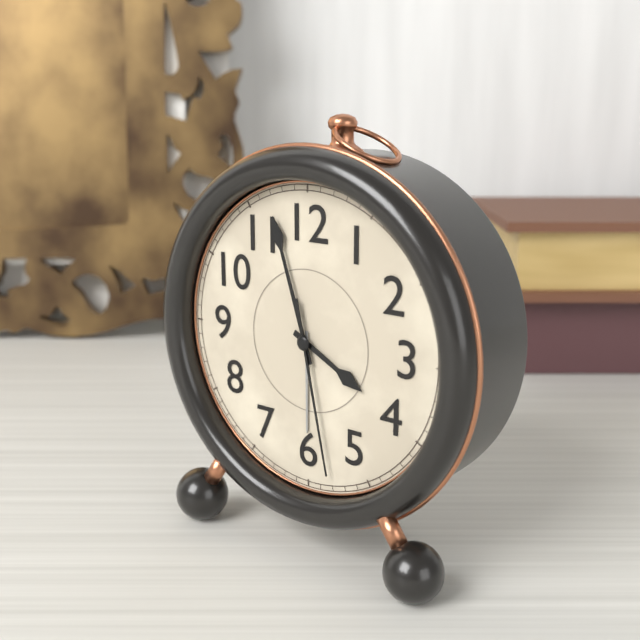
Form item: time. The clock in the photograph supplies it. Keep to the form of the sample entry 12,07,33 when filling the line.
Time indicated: 3,57,28
